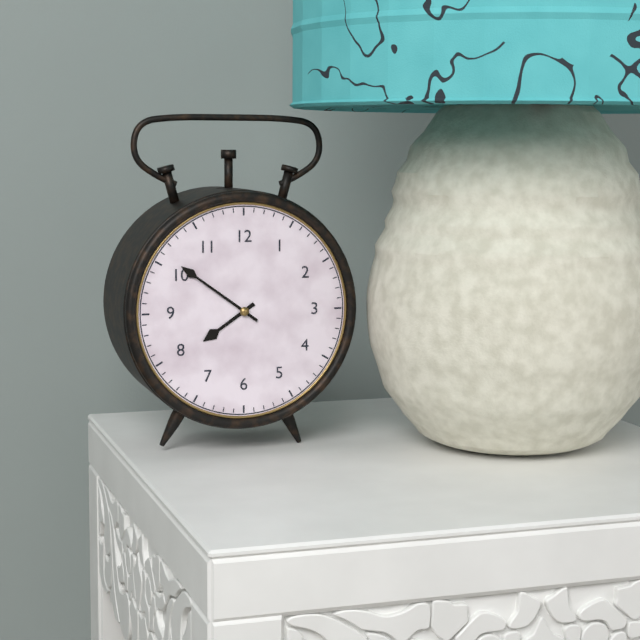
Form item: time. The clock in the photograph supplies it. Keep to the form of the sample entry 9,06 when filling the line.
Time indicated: 7,51
